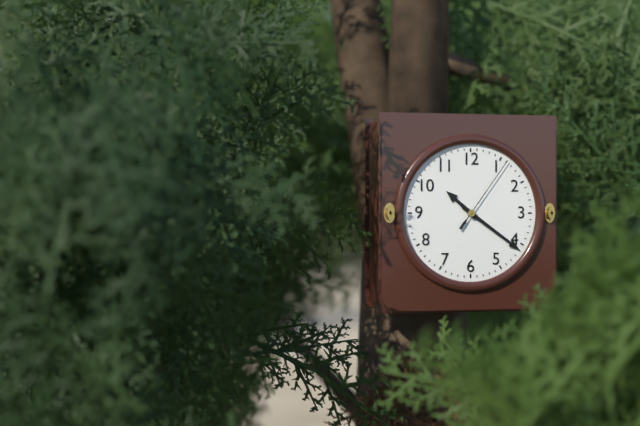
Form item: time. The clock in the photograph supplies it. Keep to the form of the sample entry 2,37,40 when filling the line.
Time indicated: 10,21,06
